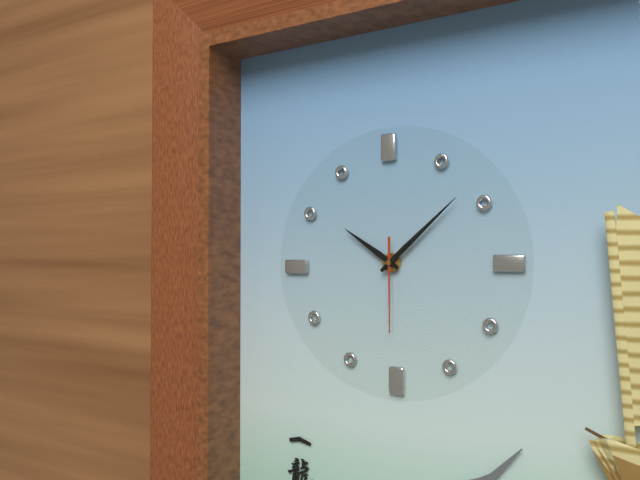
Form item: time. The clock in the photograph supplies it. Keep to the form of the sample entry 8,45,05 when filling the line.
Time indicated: 10,08,30
